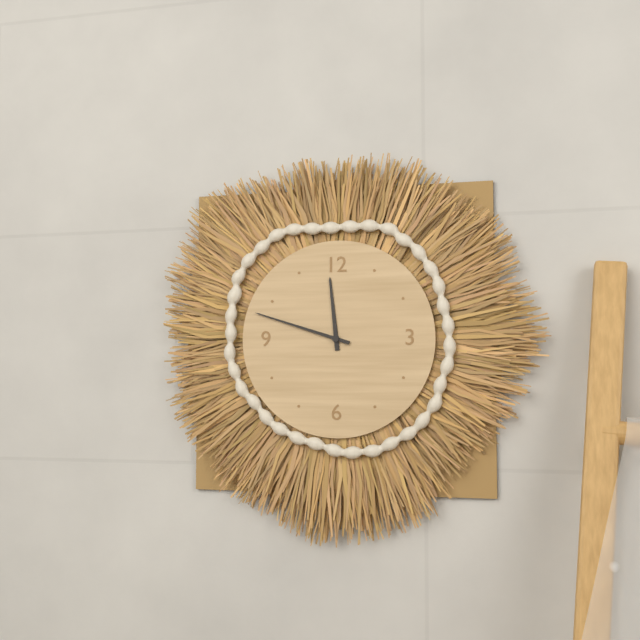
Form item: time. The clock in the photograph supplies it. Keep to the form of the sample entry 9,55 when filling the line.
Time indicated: 11,48
